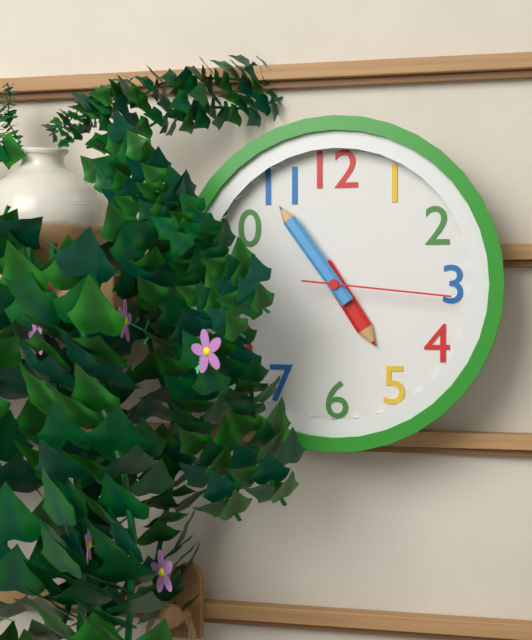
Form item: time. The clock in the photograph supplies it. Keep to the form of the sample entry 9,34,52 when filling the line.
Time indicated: 4,54,16
